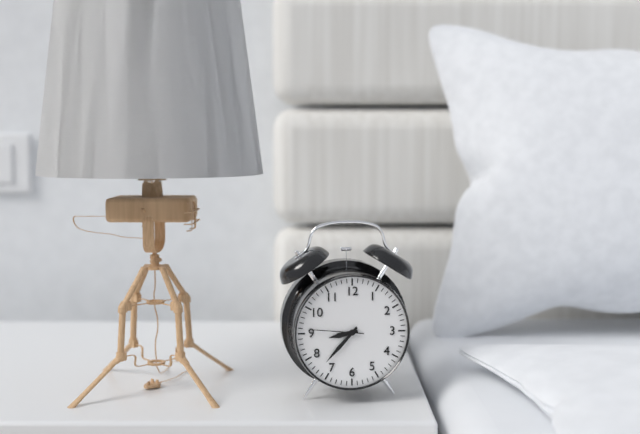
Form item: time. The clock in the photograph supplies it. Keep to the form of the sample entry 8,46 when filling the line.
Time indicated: 8,37
